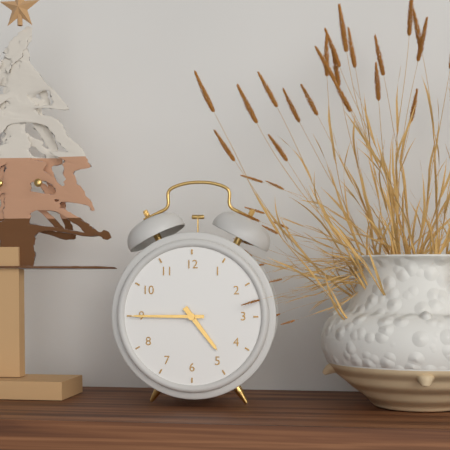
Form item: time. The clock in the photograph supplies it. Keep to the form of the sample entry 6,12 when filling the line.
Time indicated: 4,45
